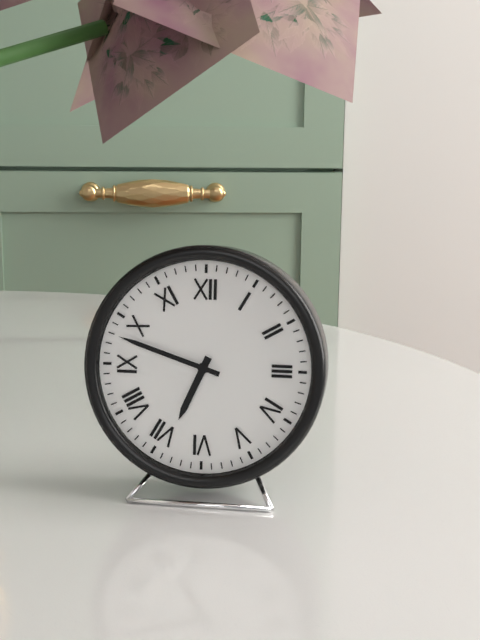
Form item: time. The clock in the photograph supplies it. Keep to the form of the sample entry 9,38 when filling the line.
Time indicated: 6,48
